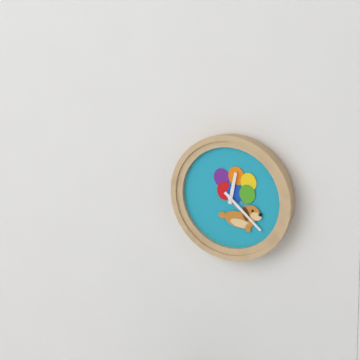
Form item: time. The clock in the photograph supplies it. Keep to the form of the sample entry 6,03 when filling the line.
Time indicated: 12,22
